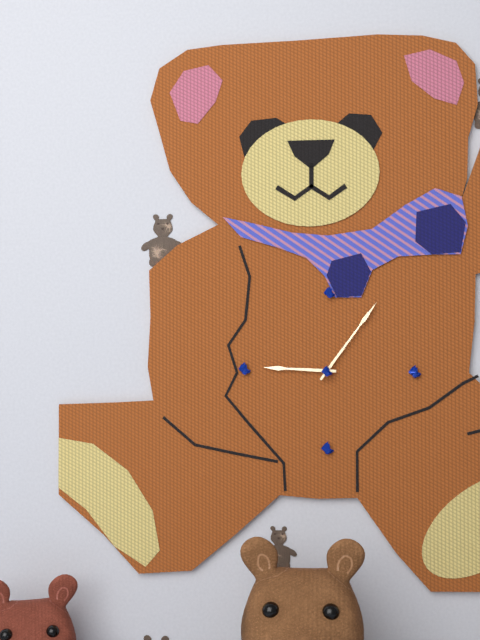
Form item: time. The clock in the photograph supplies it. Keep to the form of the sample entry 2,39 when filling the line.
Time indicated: 9,06
